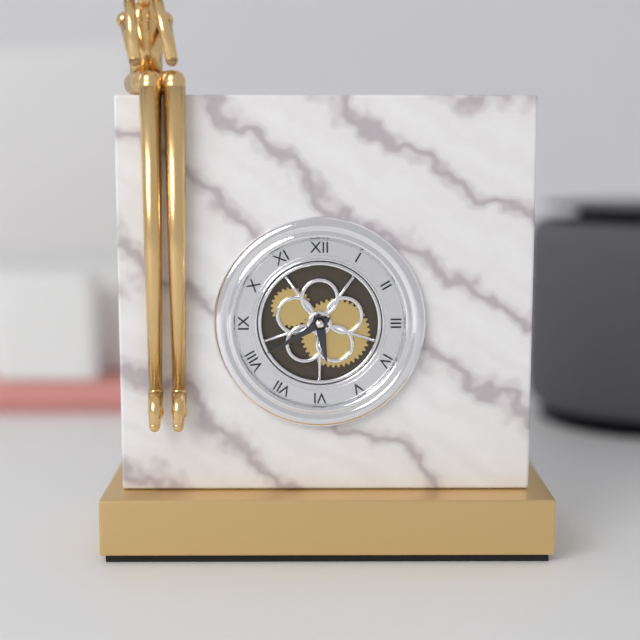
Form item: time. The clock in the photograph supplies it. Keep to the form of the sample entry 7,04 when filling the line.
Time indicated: 5,40
